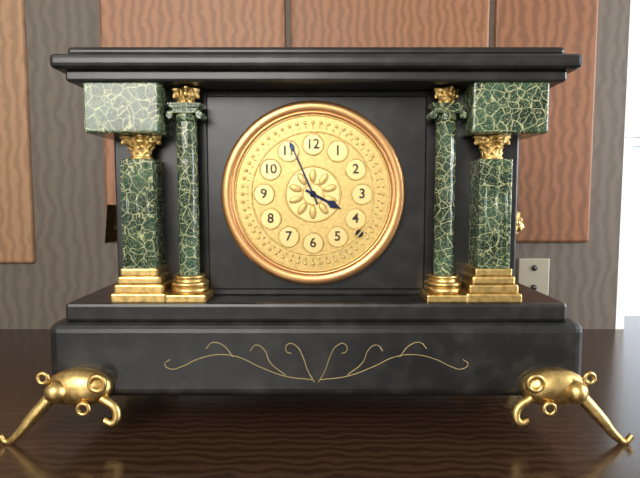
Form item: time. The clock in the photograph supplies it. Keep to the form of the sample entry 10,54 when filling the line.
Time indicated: 3,56
